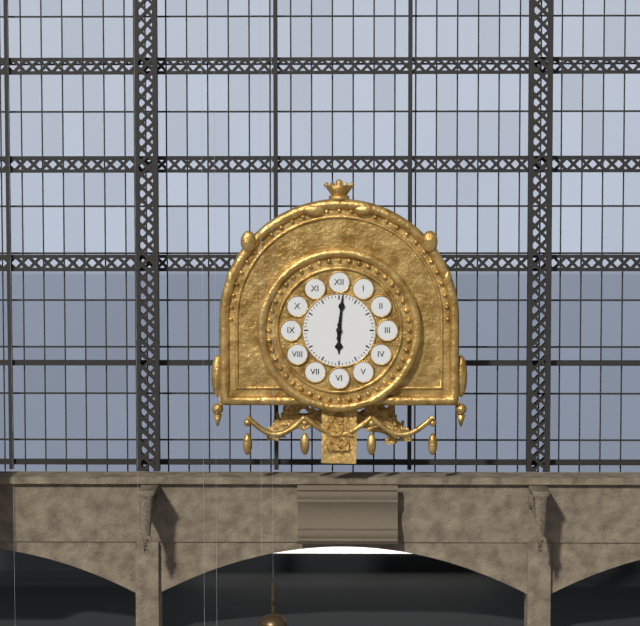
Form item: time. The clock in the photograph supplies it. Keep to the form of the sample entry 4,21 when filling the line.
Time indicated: 6,01
